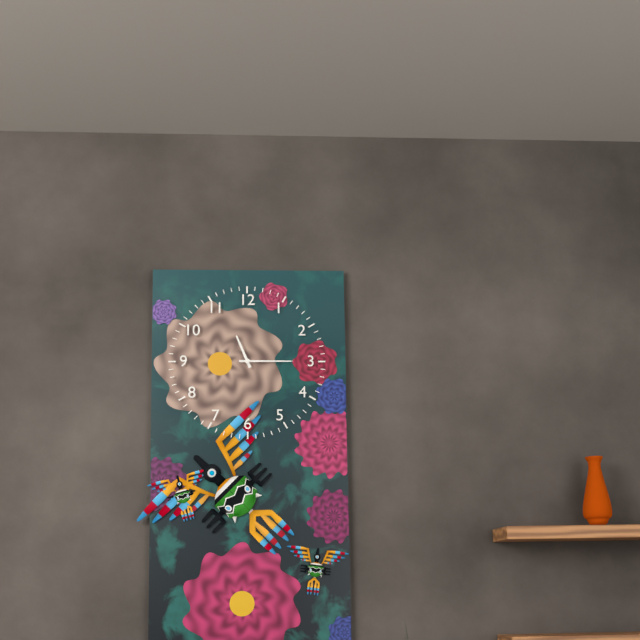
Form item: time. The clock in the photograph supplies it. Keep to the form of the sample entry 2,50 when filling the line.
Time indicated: 11,15
